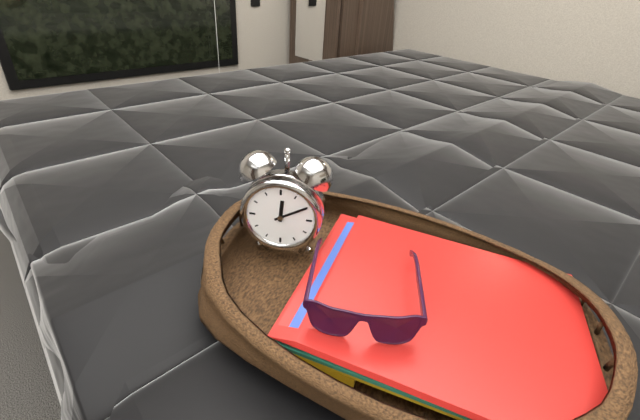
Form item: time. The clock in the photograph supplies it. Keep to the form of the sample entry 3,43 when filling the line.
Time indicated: 12,10
